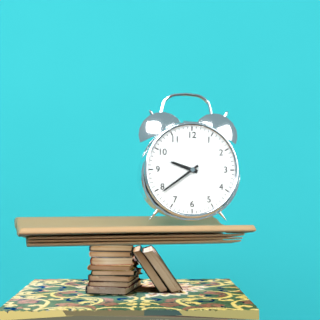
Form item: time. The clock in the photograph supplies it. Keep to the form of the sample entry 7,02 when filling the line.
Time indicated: 9,39
